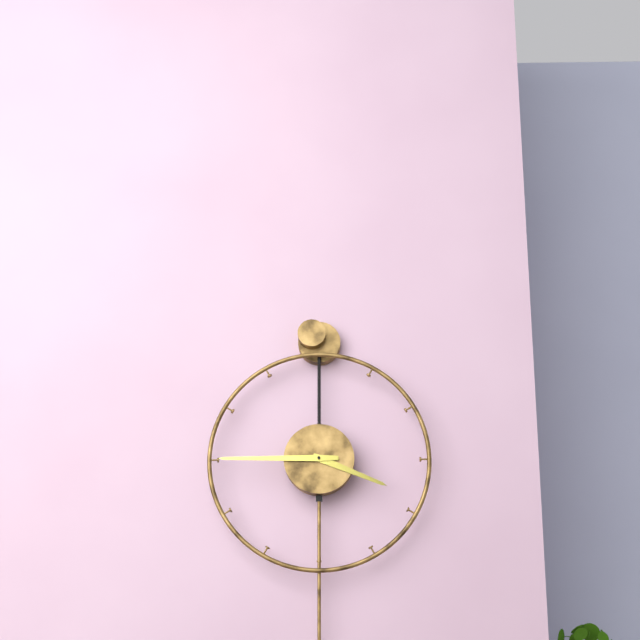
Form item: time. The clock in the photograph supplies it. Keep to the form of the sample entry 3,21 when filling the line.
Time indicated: 3,45
